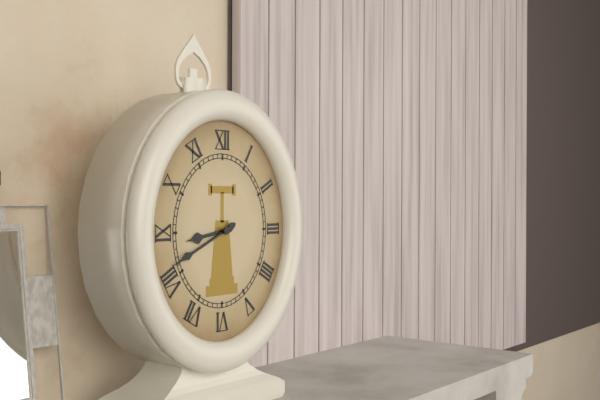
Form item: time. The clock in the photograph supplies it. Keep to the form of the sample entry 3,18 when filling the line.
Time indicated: 8,41
